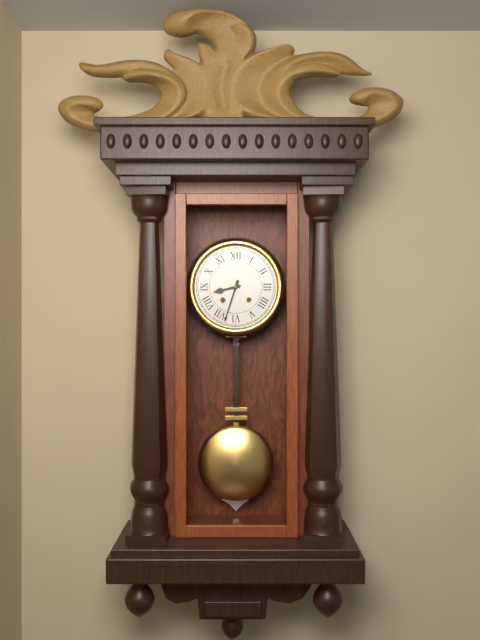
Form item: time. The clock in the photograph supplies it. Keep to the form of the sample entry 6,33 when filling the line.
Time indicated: 8,33
